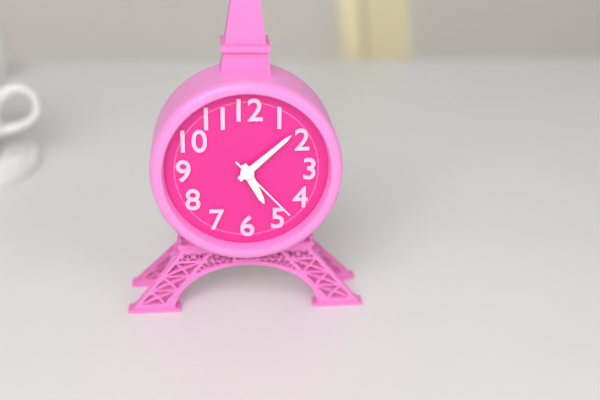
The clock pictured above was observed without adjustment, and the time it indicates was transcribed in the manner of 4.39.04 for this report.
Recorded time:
5.08.23
